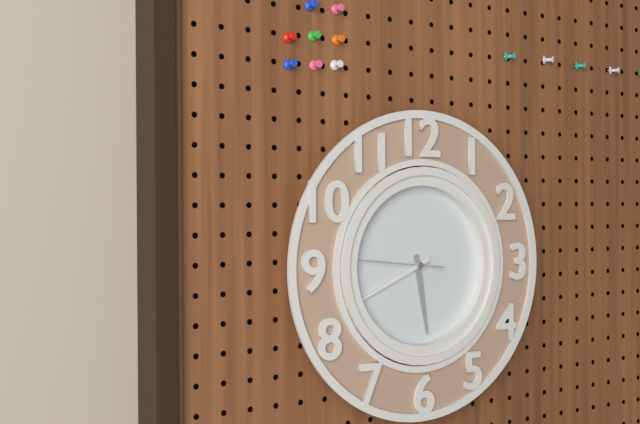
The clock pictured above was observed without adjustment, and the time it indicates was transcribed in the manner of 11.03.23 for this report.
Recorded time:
5.41.46
